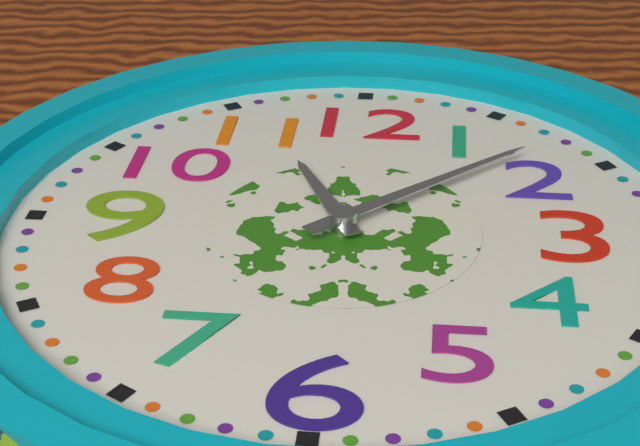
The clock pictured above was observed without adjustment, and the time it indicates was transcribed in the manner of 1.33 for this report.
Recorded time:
11.08
